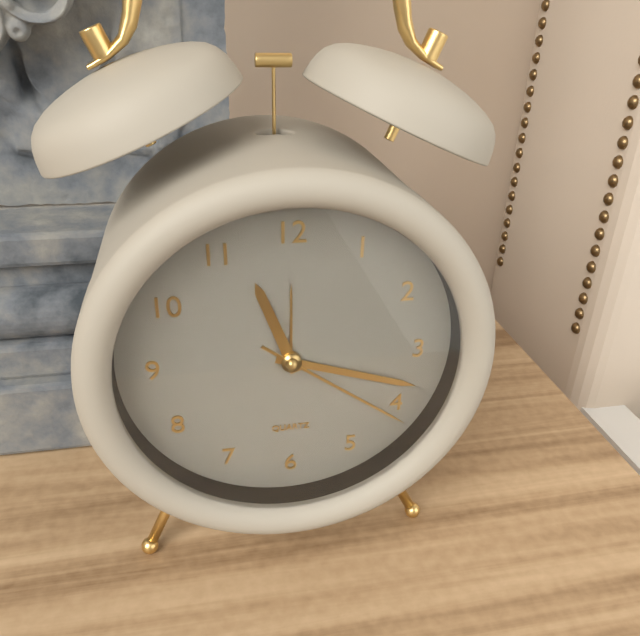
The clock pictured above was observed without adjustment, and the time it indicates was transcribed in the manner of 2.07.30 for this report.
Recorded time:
11.18.21
